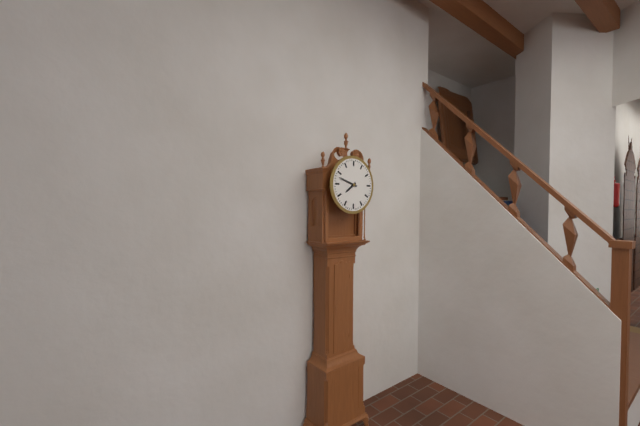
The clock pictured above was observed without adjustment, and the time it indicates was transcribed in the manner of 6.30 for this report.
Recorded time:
7.48
